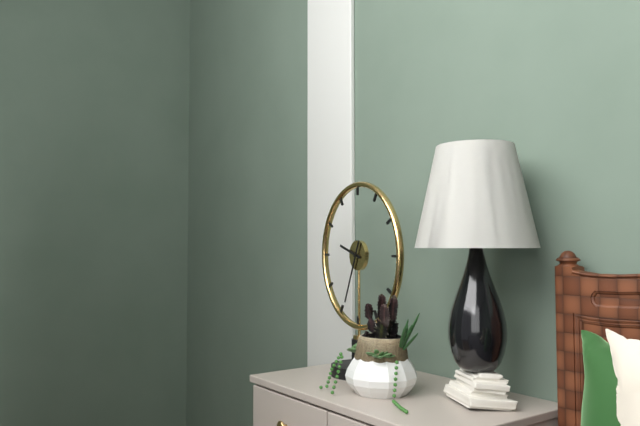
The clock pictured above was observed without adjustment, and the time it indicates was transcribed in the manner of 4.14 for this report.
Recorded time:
9.34
